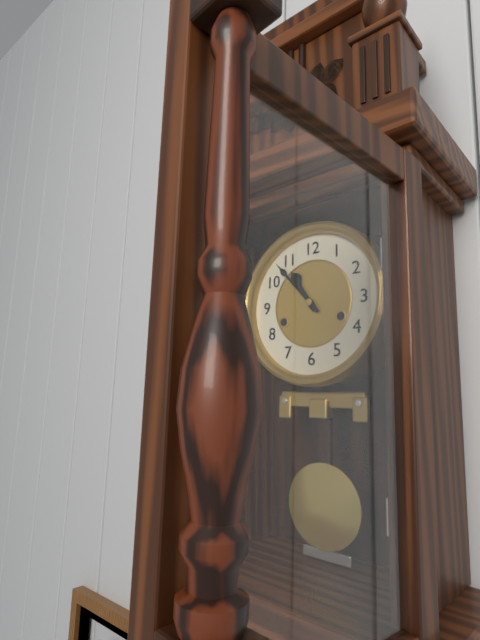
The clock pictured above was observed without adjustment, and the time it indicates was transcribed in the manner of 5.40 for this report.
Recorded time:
10.53
